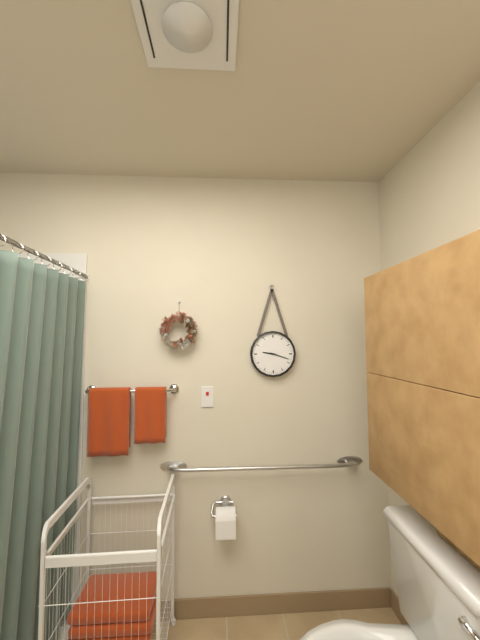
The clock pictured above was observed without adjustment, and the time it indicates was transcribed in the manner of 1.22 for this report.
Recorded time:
9.18
